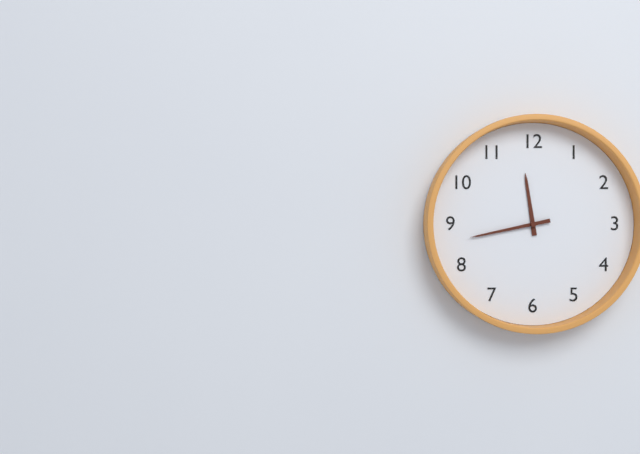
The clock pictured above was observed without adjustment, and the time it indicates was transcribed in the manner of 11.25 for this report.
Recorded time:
11.43
